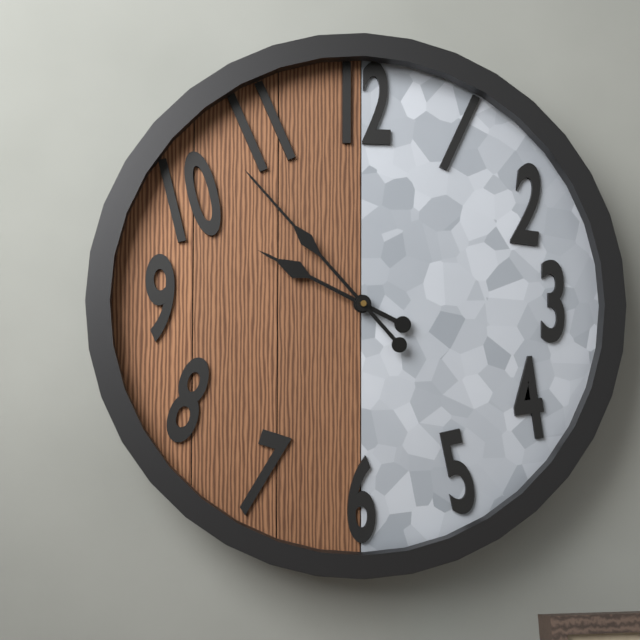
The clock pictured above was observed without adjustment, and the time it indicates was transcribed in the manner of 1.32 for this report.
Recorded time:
9.53
